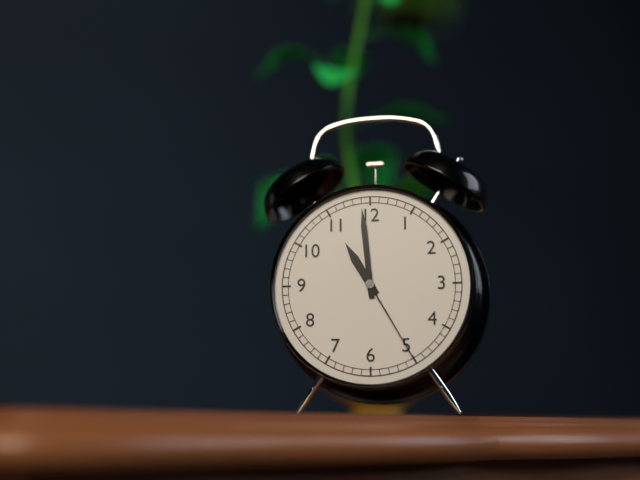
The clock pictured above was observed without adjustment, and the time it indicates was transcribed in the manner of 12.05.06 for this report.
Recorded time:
10.59.25
